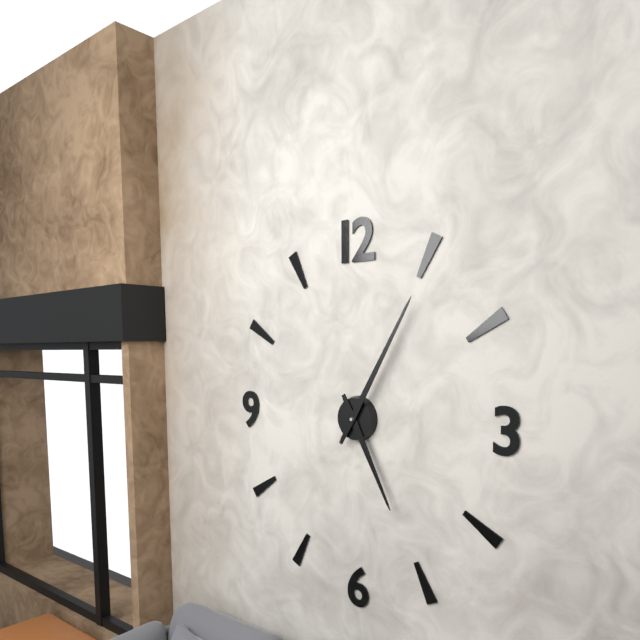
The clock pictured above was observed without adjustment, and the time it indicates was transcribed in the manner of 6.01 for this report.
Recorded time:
5.05
